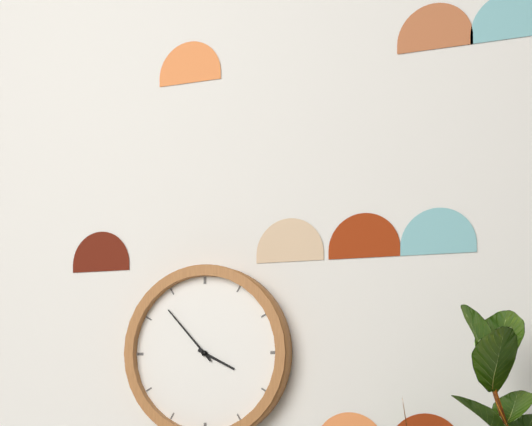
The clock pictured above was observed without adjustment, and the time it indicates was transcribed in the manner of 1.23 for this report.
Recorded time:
3.53
